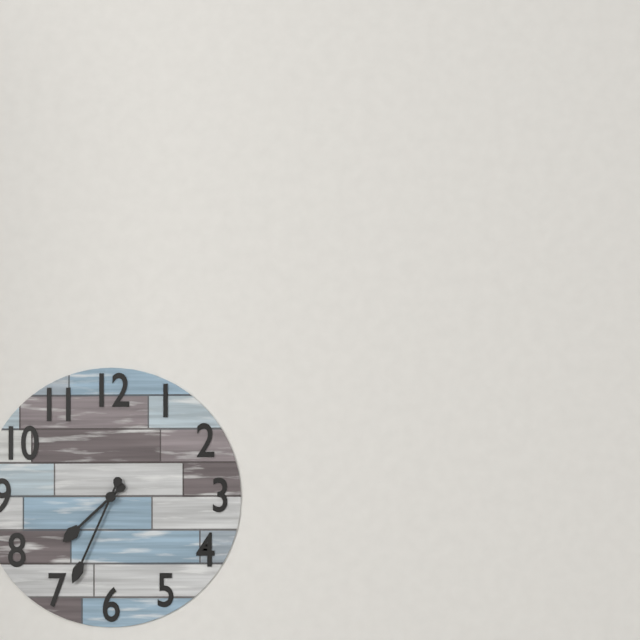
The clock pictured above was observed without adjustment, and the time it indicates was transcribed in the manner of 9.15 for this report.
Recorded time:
7.34
